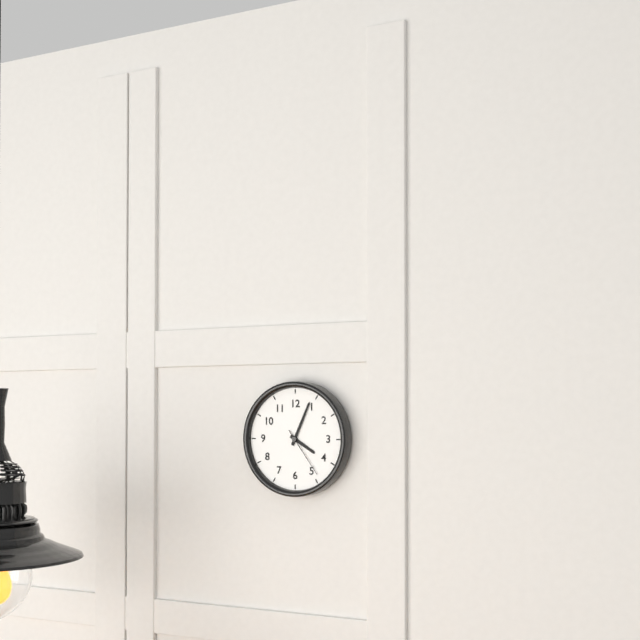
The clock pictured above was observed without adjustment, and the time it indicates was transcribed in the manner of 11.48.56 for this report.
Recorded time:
4.04.24
